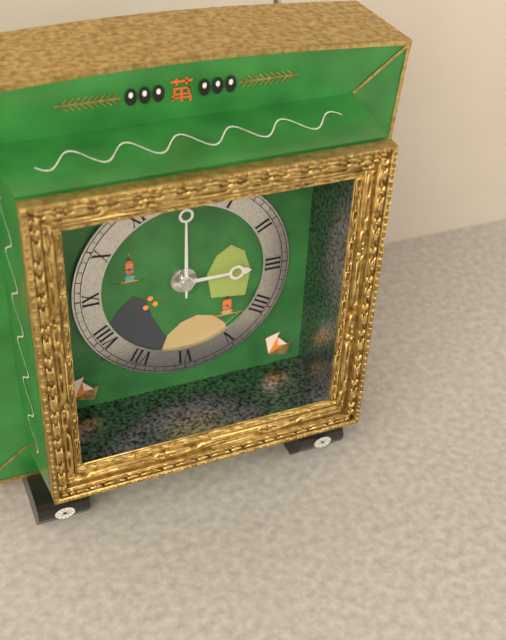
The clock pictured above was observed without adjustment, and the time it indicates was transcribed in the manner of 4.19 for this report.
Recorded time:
3.00
